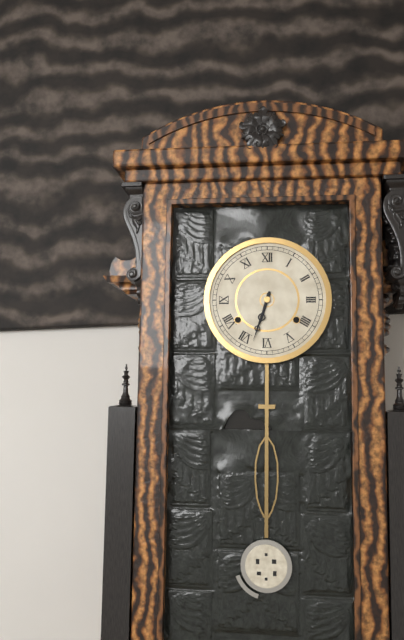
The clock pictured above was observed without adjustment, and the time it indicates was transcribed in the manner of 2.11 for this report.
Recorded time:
6.33
